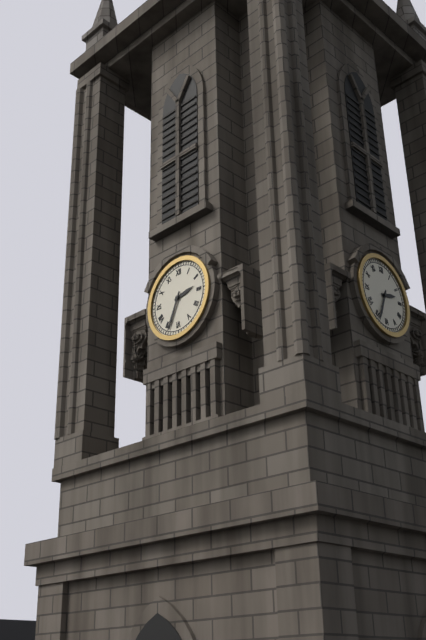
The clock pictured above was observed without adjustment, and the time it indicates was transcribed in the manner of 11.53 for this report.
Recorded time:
2.34
